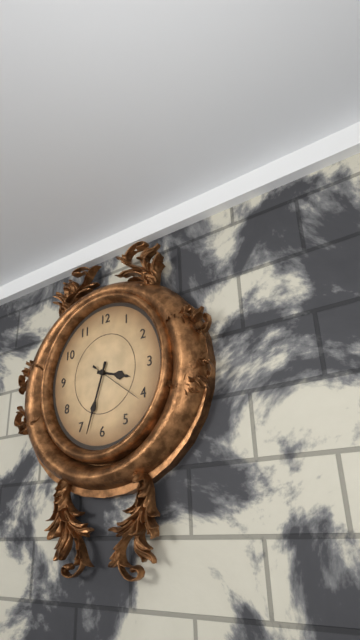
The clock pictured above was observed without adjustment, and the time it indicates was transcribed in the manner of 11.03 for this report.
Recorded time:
3.33
